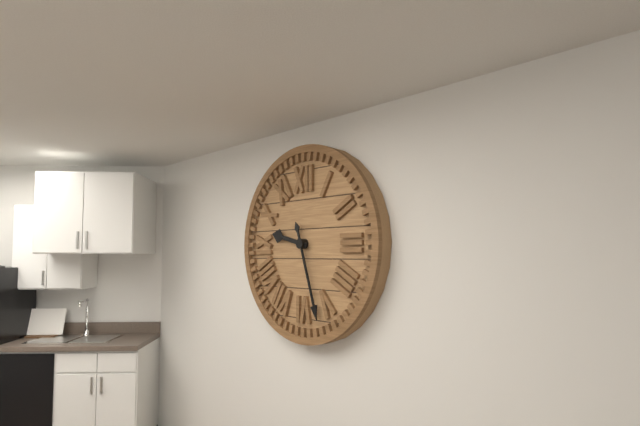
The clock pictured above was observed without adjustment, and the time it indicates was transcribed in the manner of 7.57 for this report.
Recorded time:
9.27
